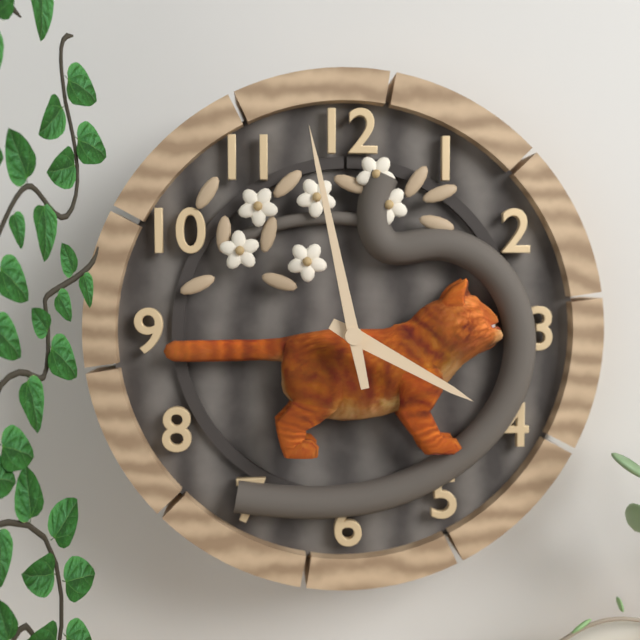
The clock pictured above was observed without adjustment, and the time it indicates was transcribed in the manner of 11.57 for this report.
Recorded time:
3.58
